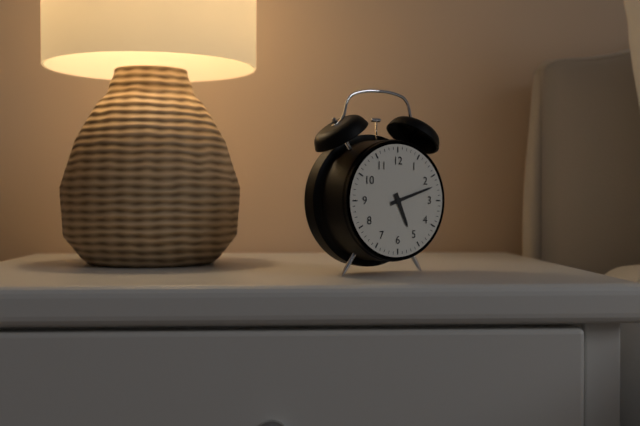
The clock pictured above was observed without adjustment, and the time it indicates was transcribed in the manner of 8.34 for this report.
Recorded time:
5.12
